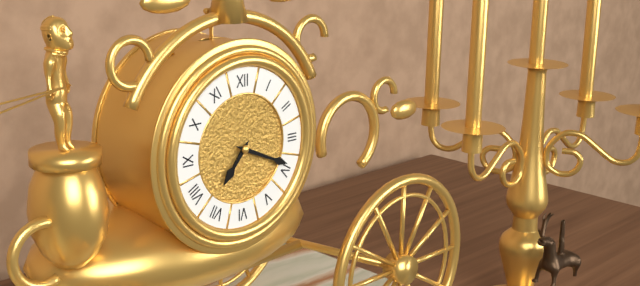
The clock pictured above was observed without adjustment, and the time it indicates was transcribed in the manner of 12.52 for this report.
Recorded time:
7.19
